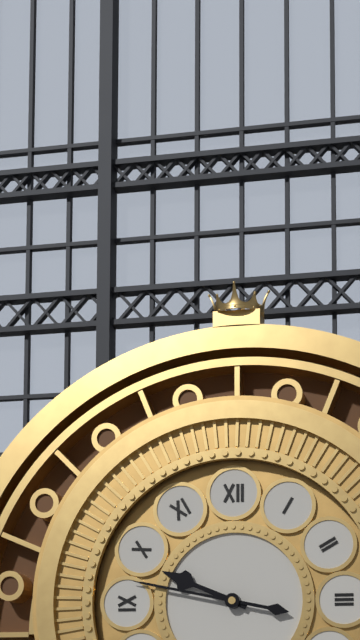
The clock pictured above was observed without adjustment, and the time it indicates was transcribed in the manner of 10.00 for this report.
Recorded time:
9.47
